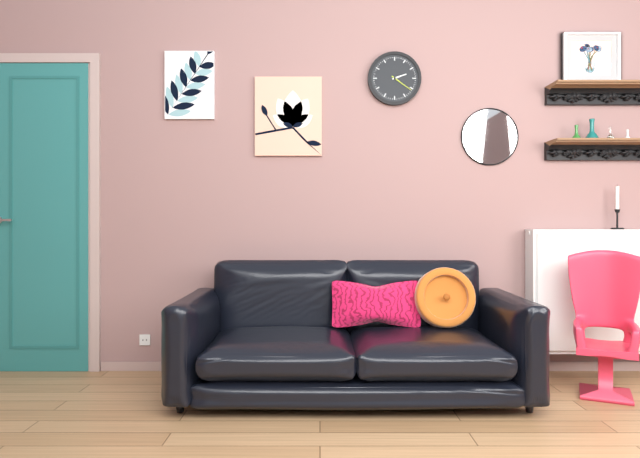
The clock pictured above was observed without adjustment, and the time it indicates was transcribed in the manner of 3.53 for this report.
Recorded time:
2.21
